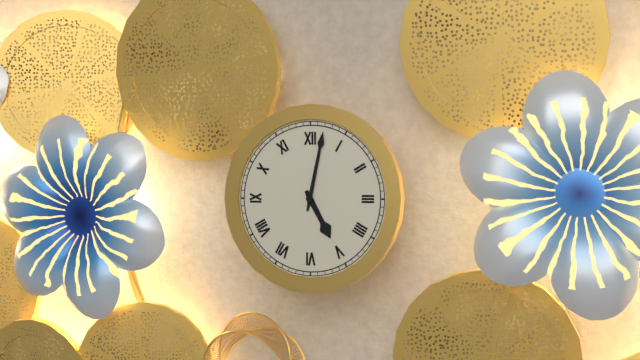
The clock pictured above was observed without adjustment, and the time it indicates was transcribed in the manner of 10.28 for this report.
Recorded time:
5.02
